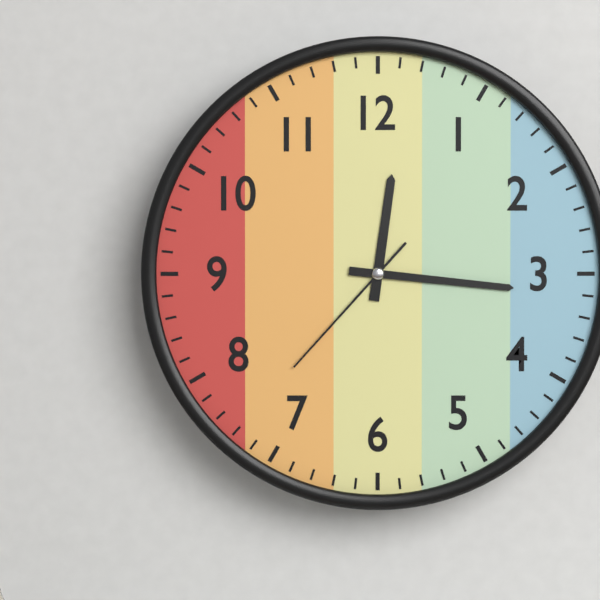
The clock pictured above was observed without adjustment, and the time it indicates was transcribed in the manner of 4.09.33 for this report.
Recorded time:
12.16.37
